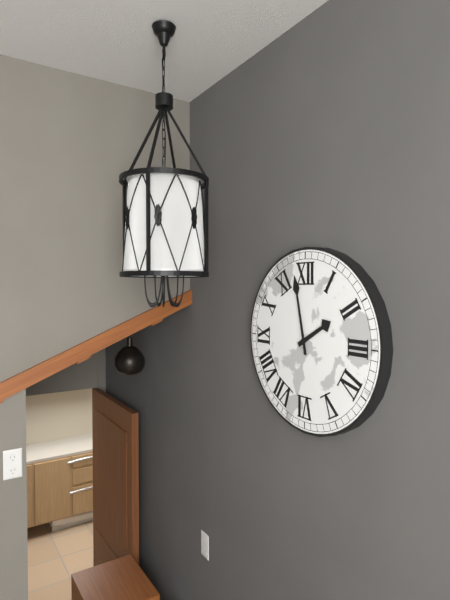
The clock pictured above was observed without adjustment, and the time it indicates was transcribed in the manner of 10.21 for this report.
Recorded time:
1.58
